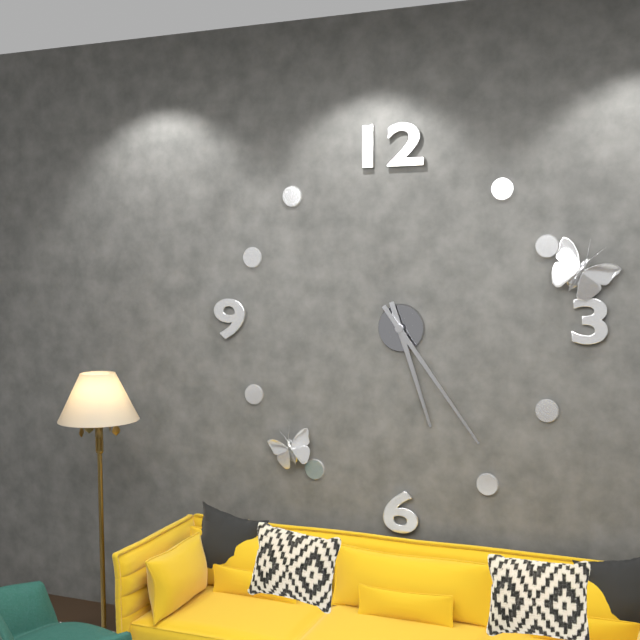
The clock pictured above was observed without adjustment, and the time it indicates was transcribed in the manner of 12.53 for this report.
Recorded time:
5.24
